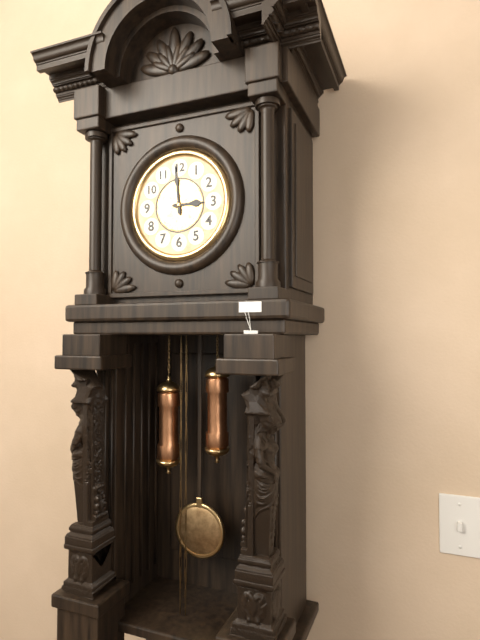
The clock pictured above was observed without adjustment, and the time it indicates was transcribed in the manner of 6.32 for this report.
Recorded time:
2.59
